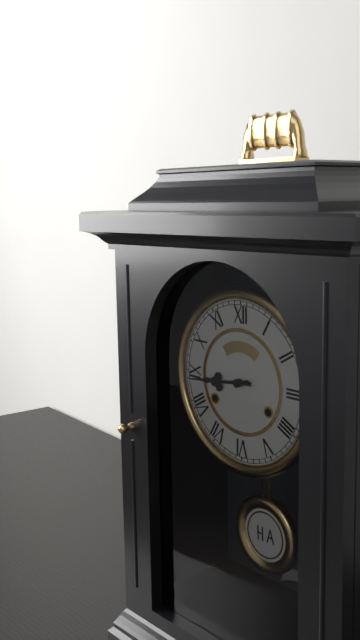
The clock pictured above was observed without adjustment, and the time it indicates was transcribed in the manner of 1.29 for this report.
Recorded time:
8.44
